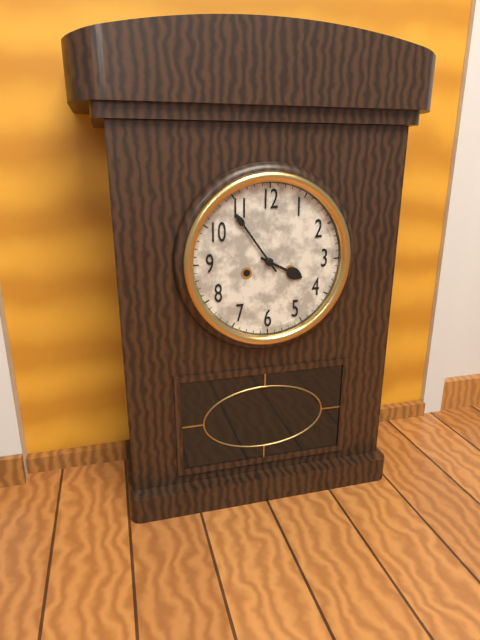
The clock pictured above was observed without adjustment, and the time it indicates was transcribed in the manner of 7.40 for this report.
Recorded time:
3.54
